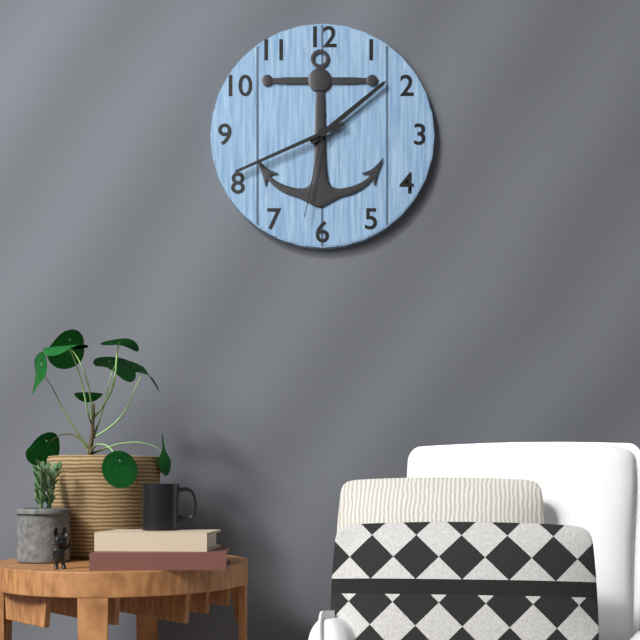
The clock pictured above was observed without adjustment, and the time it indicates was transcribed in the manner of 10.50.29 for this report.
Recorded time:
1.41.32
